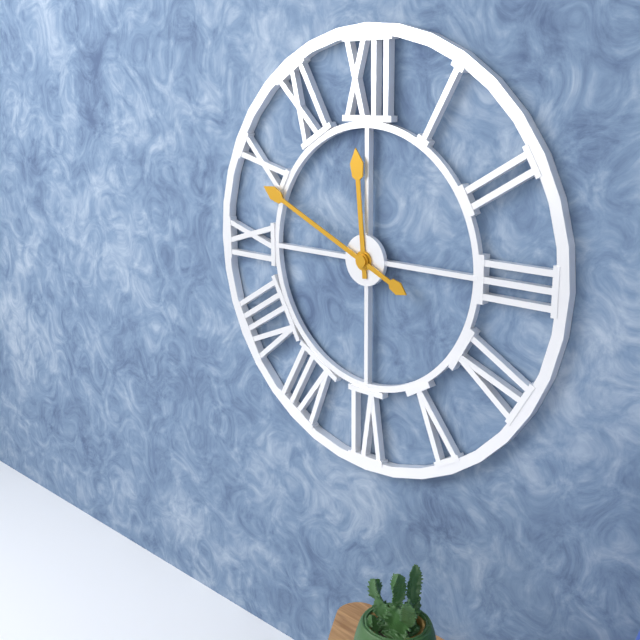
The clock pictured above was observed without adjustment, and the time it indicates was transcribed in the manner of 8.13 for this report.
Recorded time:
11.49
